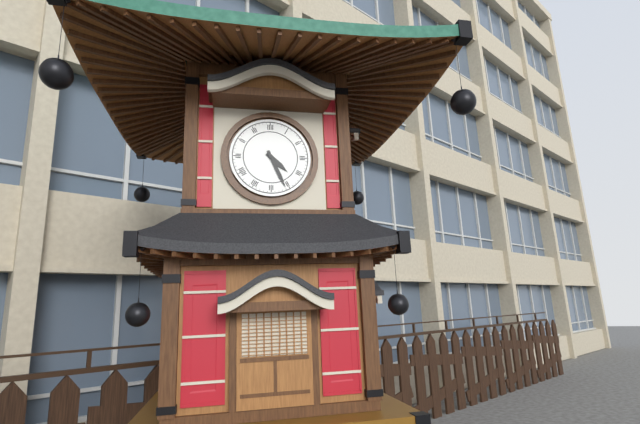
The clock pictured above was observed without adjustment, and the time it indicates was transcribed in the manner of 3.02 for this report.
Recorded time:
4.26
